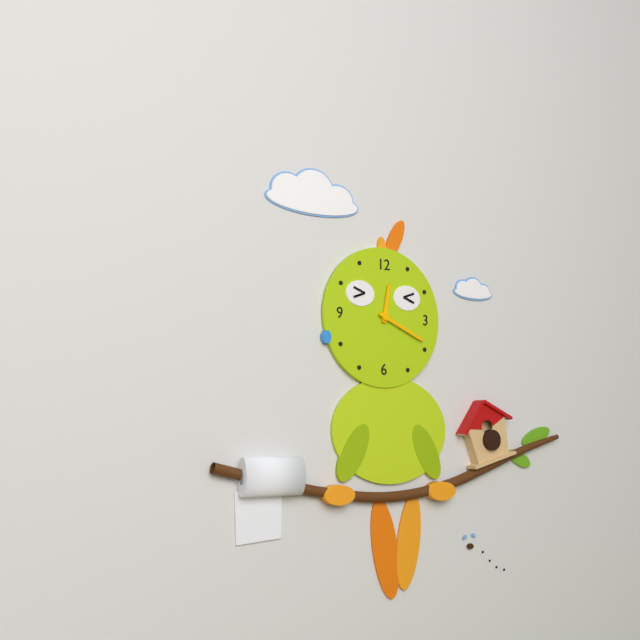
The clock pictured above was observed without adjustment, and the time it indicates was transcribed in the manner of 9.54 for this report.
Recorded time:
12.19
